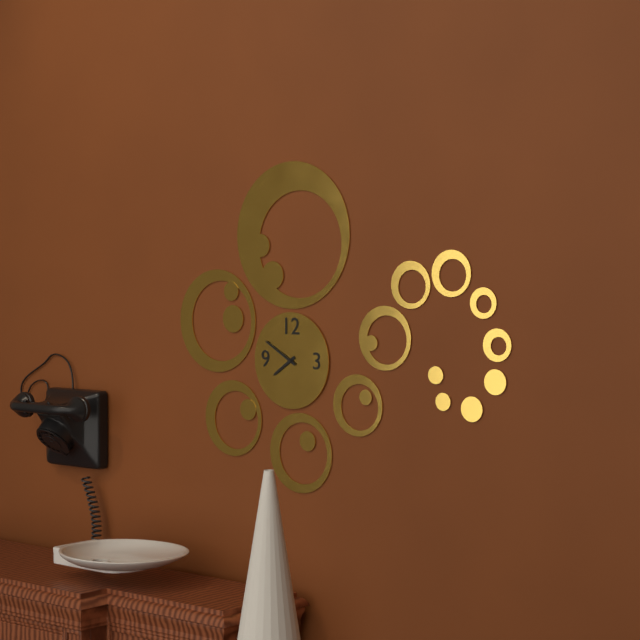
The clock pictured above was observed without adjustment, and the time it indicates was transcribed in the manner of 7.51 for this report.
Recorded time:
7.50
